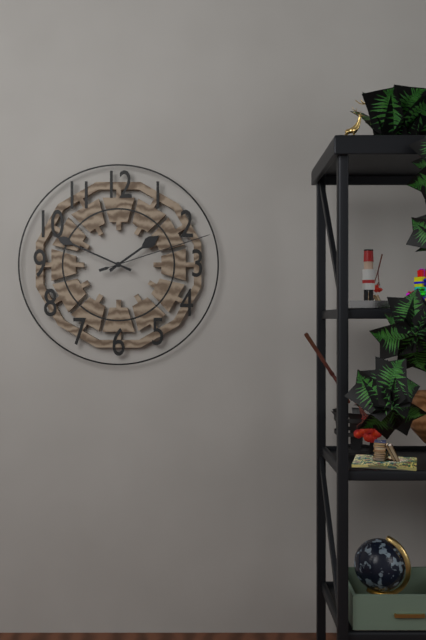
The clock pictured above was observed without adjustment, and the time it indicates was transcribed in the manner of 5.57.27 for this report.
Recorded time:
1.49.12
